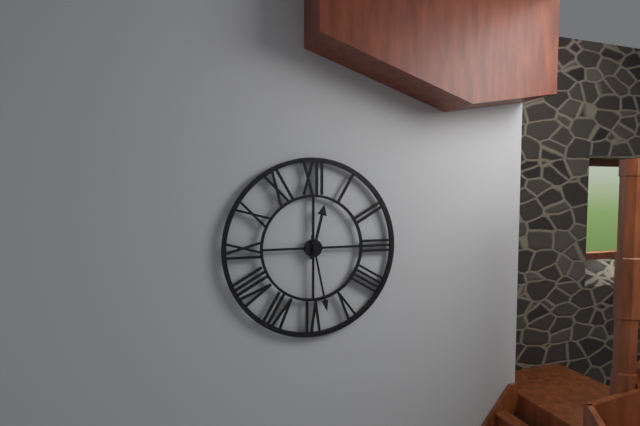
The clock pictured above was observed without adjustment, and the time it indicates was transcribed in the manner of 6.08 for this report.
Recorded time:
12.28
